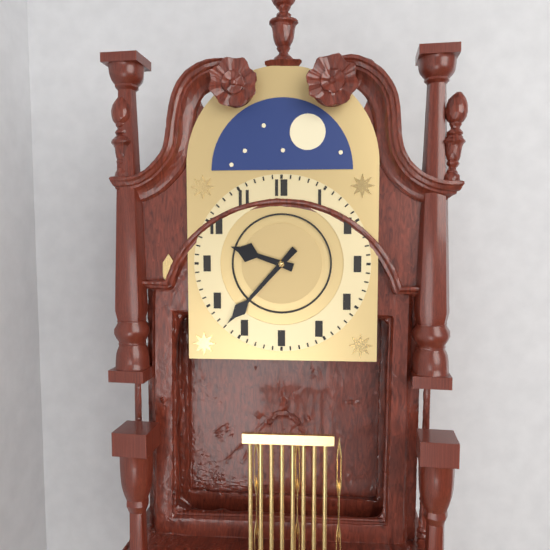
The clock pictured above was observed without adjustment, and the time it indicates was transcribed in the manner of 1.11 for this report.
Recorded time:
9.37
